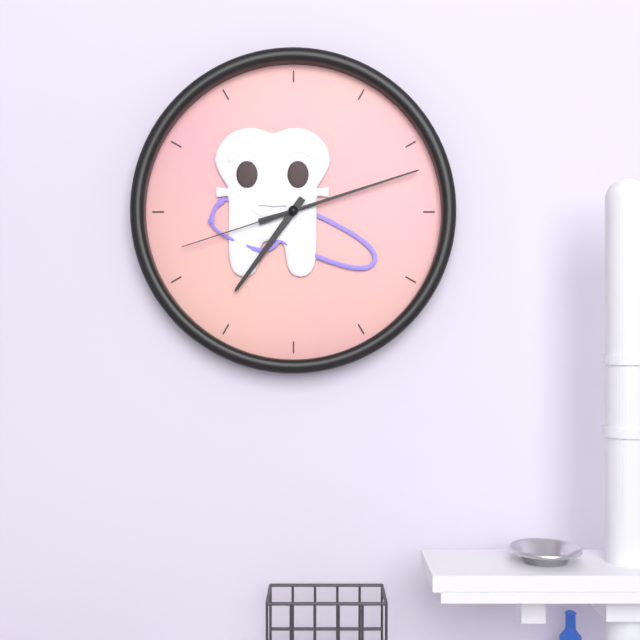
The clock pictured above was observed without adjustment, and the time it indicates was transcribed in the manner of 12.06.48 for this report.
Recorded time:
7.12.42
